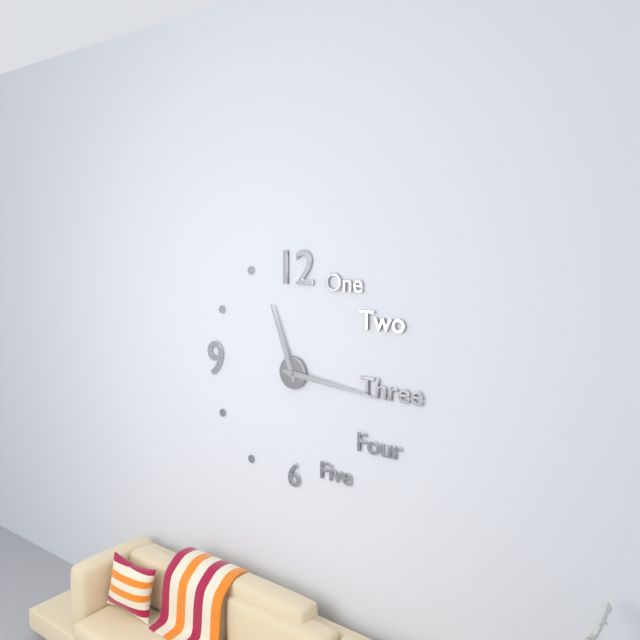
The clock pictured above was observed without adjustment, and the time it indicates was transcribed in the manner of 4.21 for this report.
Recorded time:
11.16
